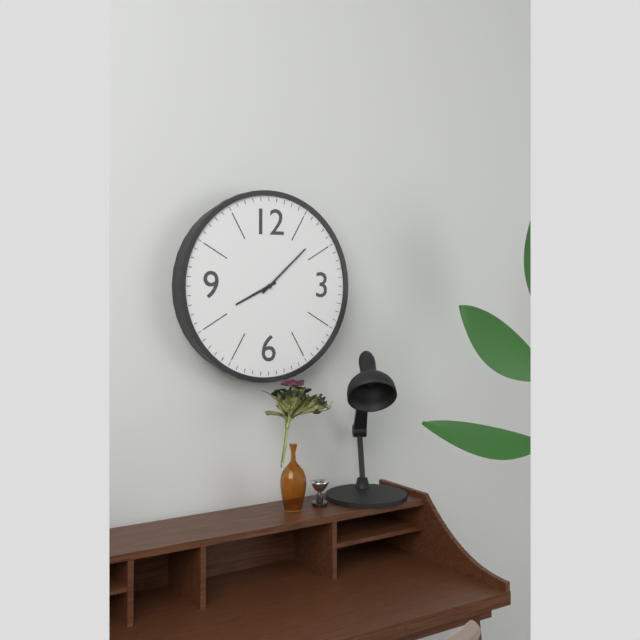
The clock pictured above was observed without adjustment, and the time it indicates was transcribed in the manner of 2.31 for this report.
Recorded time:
8.08
